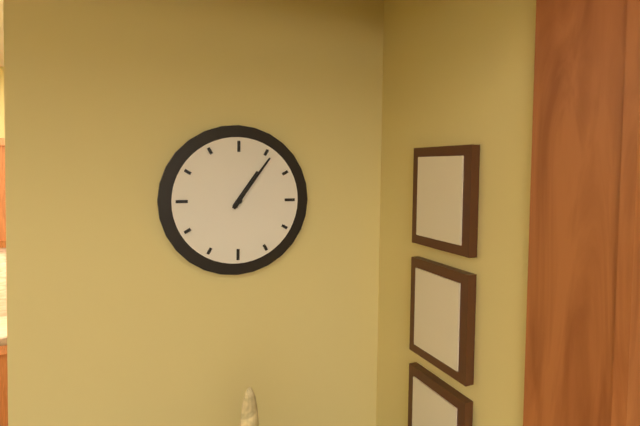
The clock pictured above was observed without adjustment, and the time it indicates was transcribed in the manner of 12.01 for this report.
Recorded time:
1.06
